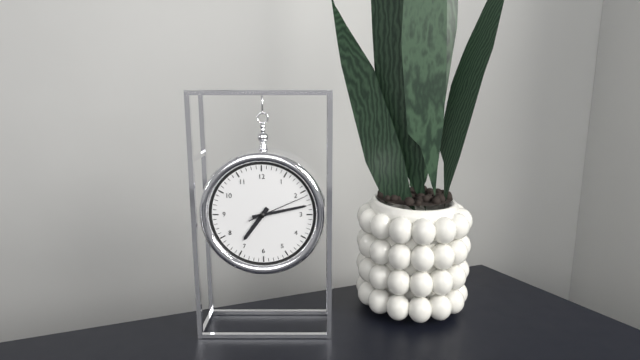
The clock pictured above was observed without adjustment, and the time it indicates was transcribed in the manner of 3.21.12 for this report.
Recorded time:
7.13.11
